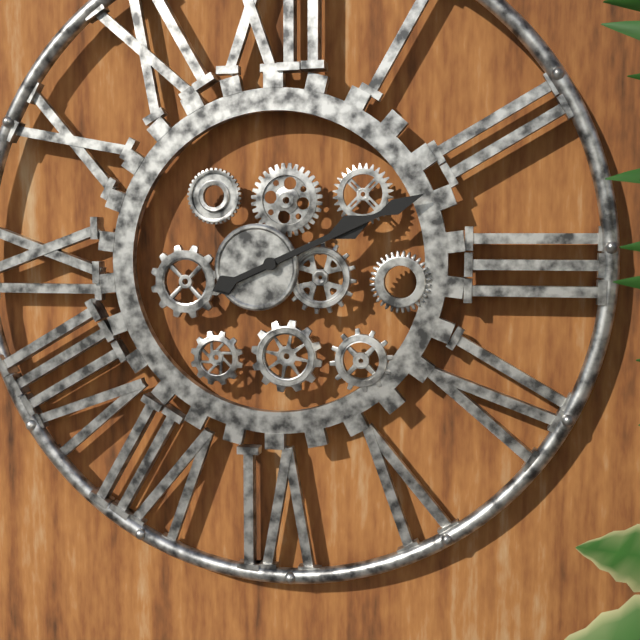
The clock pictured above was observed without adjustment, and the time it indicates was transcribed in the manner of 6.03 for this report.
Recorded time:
2.11
